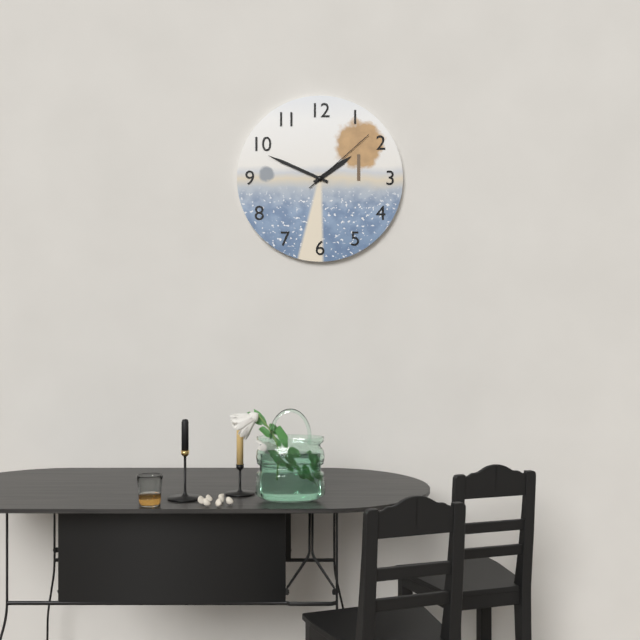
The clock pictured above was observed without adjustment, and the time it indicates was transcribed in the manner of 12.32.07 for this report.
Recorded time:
1.49.08
